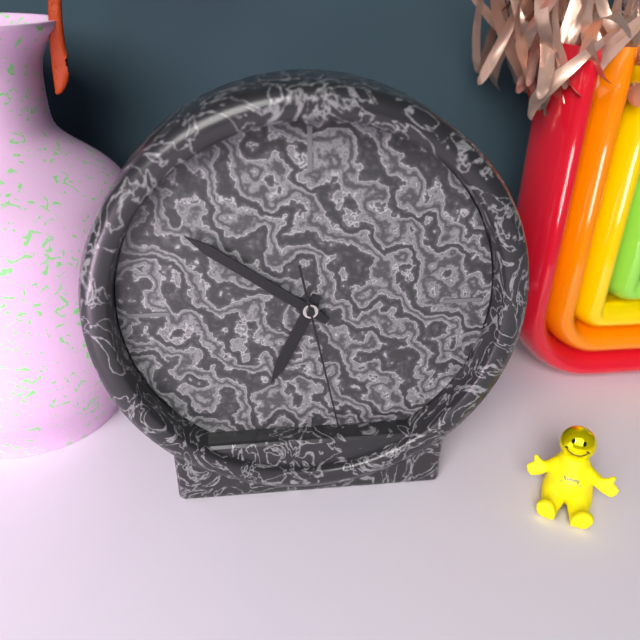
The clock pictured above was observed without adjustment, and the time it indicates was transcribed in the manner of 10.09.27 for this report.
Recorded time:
6.51.28
